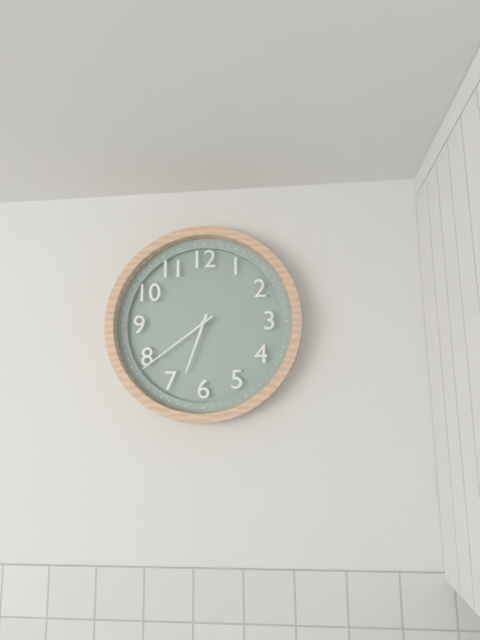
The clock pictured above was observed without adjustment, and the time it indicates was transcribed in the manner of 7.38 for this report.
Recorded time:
6.39
